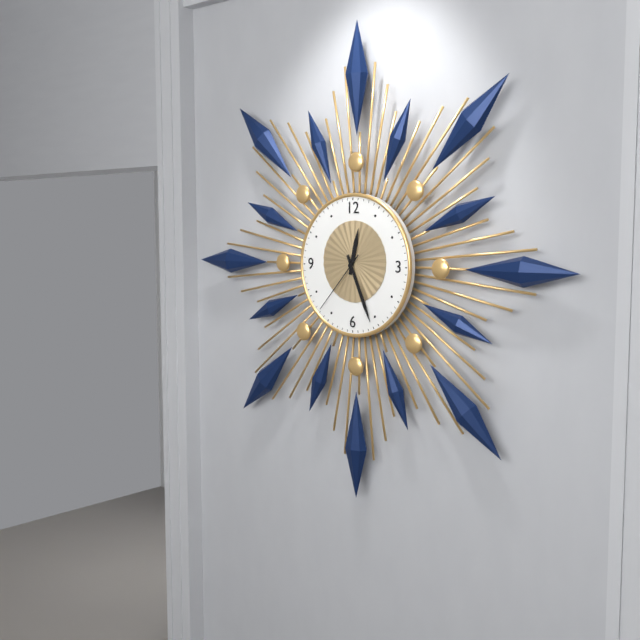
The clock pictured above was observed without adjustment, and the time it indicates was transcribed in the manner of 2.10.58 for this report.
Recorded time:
12.26.37
